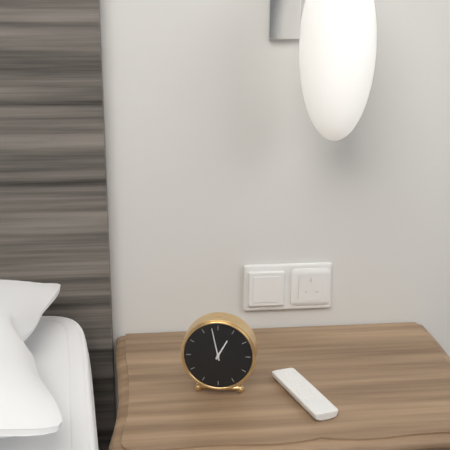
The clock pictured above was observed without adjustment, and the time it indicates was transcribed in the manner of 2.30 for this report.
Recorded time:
12.58
